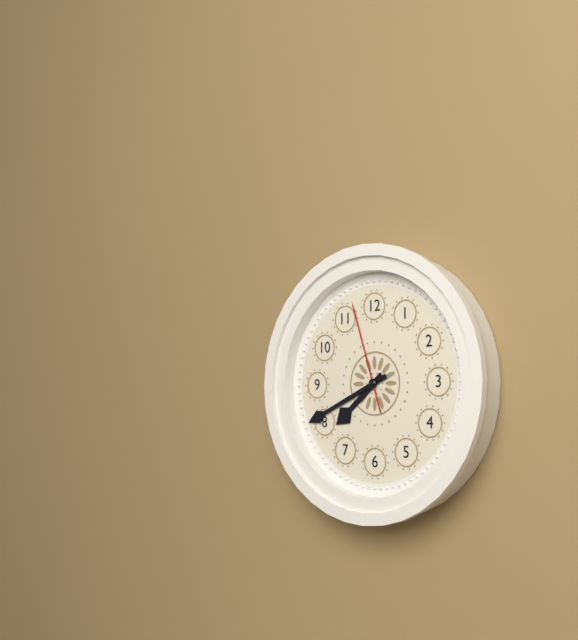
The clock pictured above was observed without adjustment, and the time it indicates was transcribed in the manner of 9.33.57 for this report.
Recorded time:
7.41.57
